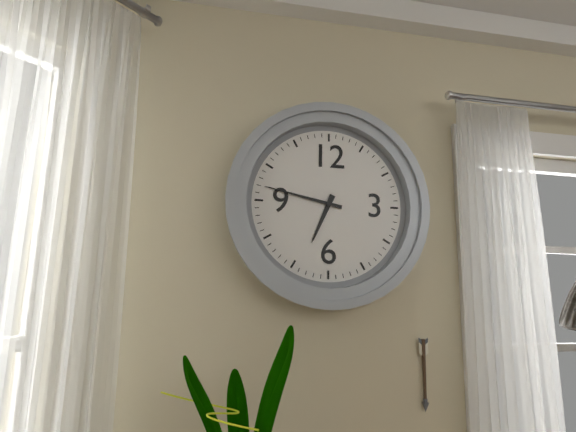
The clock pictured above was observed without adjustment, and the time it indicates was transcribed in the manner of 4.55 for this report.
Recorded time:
6.47
